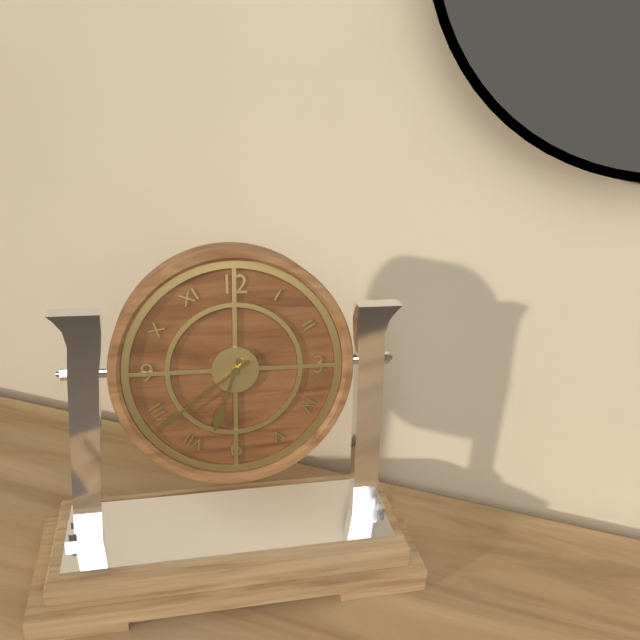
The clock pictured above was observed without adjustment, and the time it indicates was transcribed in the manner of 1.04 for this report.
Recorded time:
6.39
